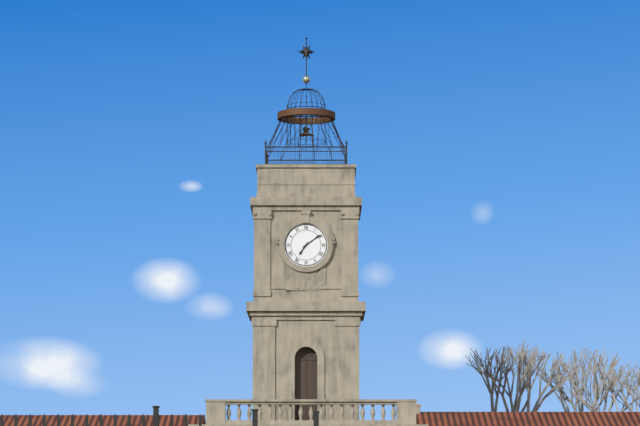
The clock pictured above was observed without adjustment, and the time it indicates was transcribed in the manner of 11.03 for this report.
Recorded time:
7.09
